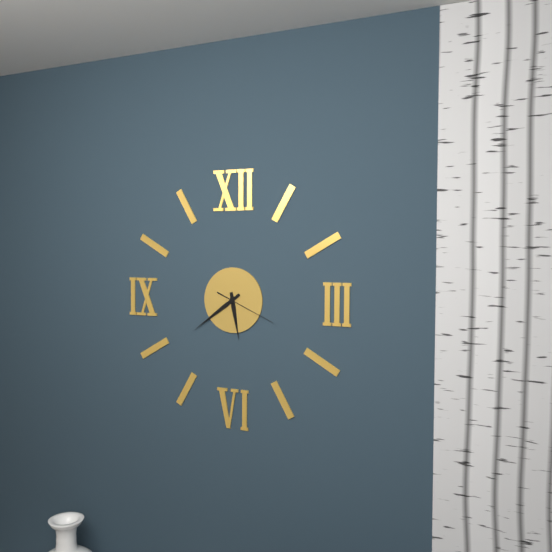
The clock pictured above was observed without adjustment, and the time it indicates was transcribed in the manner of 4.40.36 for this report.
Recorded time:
5.39.19
